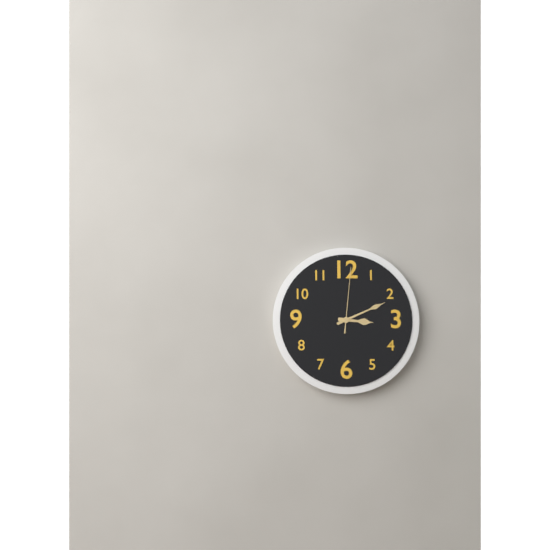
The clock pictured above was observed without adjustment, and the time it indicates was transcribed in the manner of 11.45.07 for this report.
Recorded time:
3.11.01
